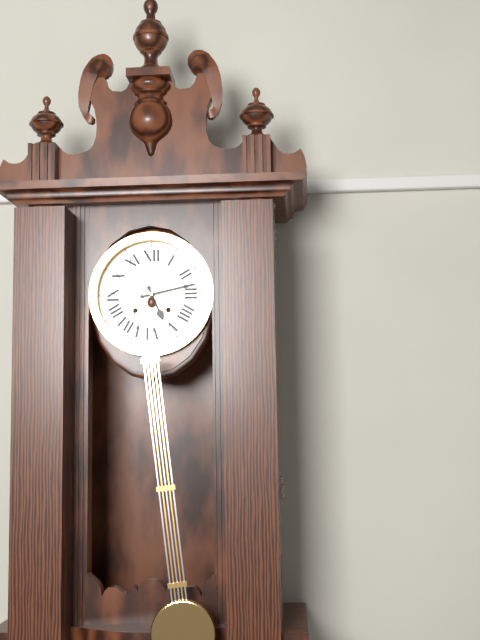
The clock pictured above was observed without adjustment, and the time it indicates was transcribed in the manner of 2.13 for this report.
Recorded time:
5.13
